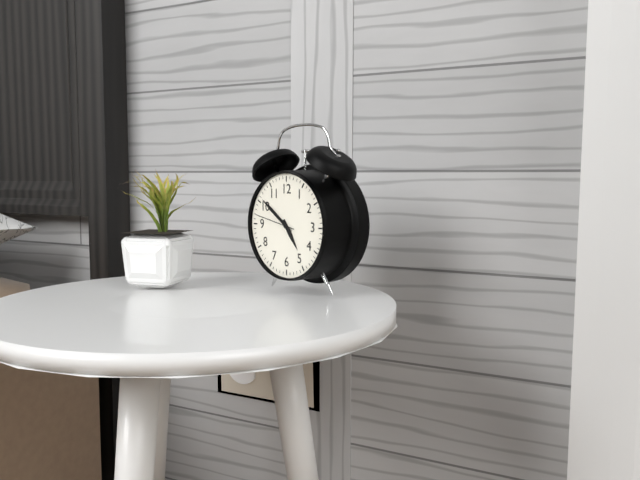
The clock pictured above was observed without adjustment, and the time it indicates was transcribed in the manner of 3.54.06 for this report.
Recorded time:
4.51.47
